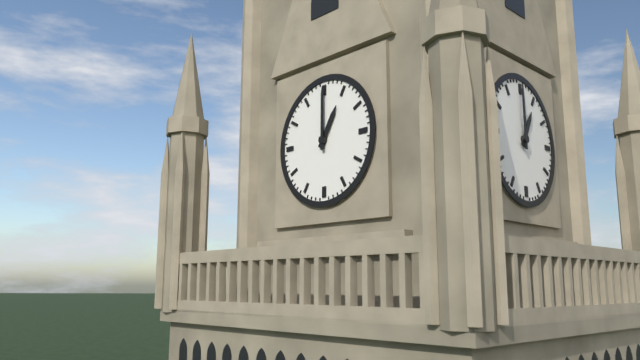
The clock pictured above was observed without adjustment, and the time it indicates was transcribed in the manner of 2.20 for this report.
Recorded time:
1.00
